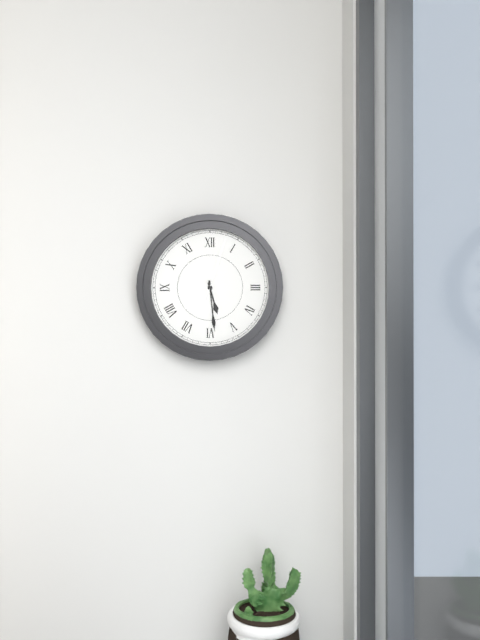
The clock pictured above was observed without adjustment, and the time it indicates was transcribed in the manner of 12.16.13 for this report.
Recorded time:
5.29.03
